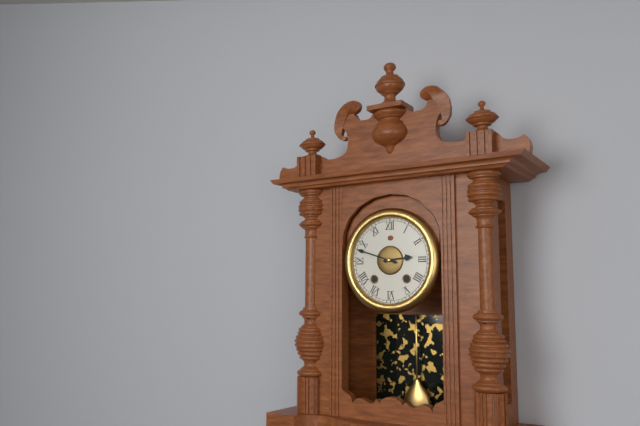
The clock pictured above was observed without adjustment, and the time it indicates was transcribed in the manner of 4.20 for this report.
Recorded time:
2.48
